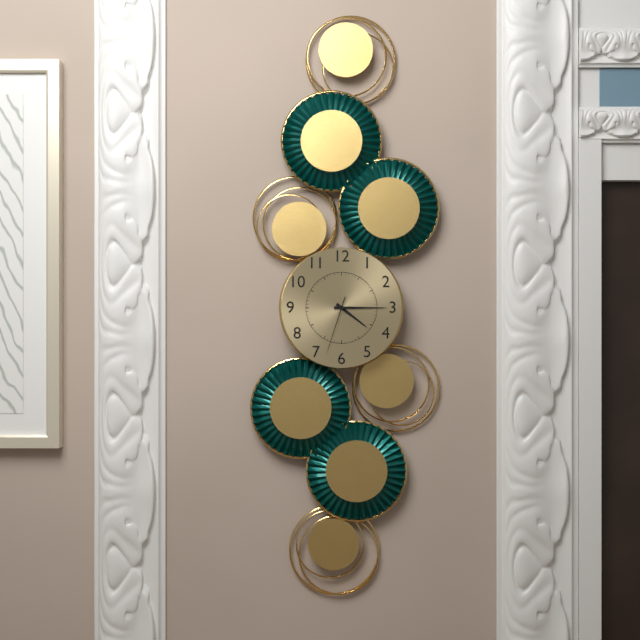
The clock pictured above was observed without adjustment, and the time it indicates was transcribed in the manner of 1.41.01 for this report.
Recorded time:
4.15.33
